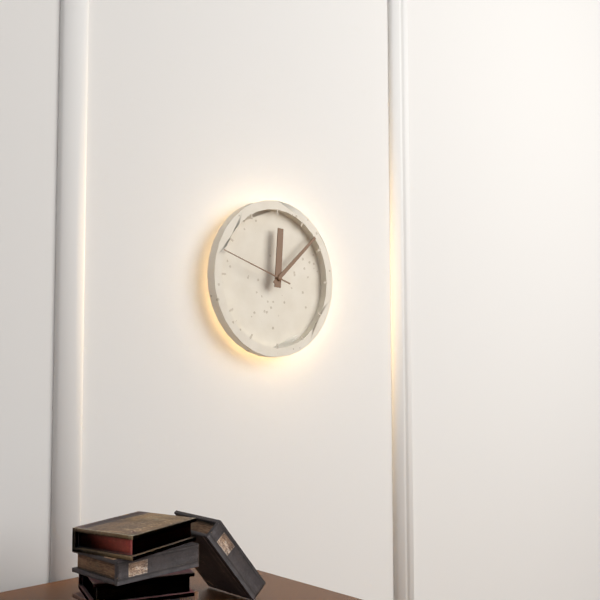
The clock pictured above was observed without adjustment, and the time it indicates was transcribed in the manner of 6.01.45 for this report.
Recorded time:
12.08.48
